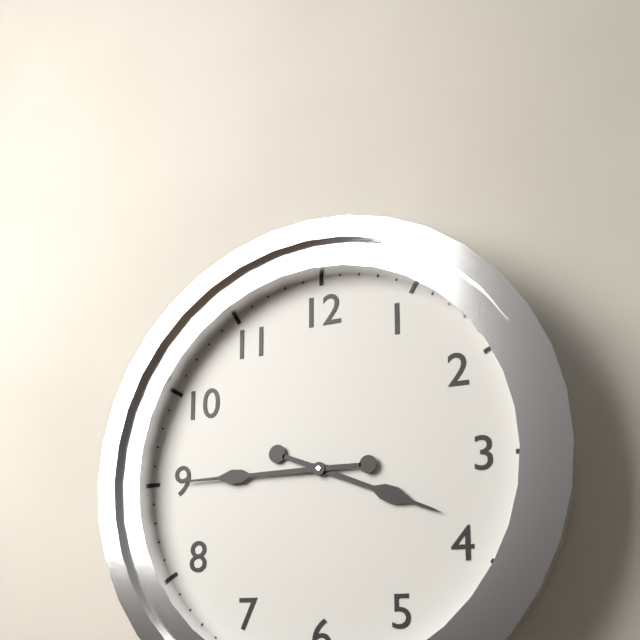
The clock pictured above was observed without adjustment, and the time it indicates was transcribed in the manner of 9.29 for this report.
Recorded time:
3.45
